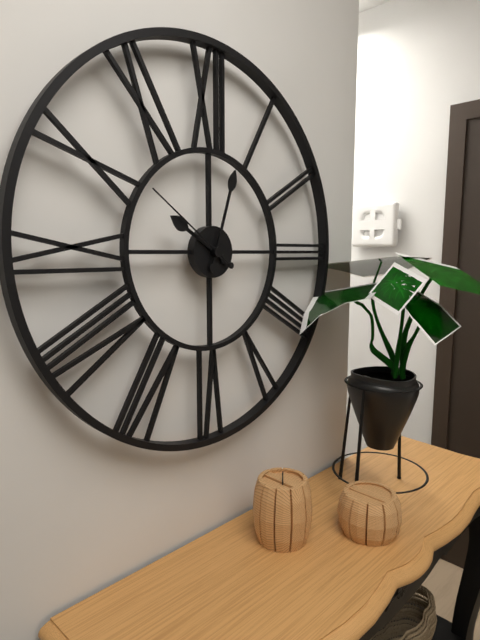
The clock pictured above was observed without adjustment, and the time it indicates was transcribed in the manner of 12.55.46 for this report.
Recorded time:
10.03.51
